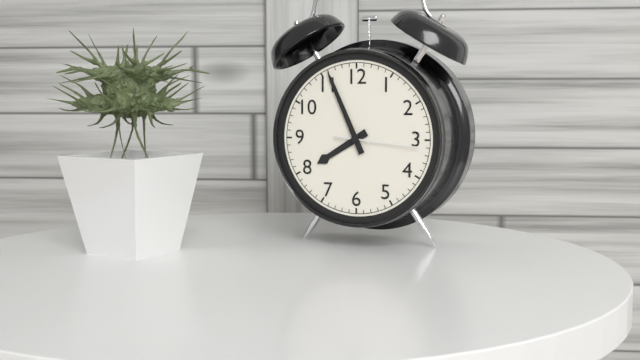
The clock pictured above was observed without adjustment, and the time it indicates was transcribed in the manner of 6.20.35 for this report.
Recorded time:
7.56.16
